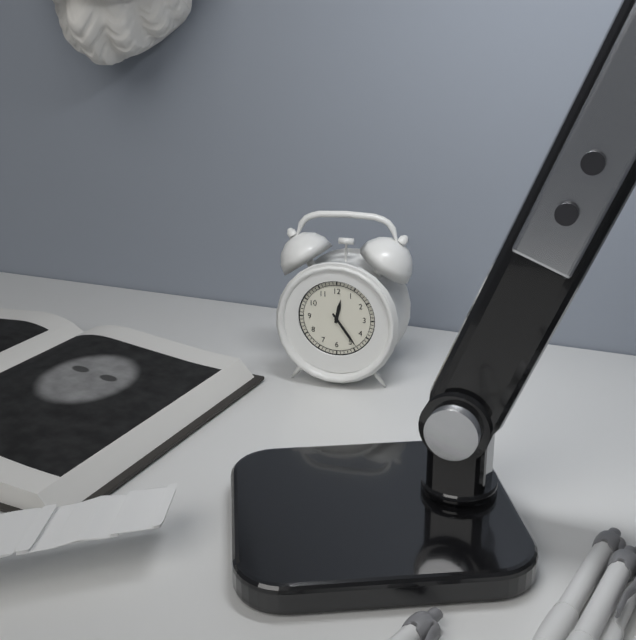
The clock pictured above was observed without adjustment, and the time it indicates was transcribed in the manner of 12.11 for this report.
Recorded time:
12.24
